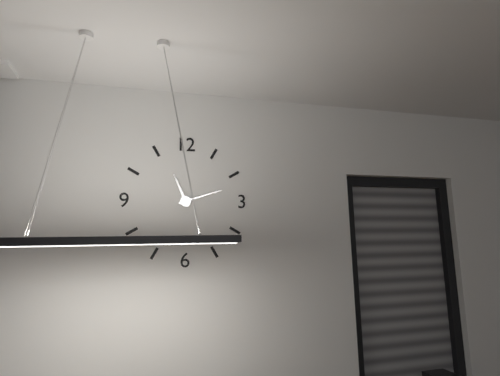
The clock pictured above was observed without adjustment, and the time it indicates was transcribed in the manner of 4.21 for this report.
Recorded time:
11.12
